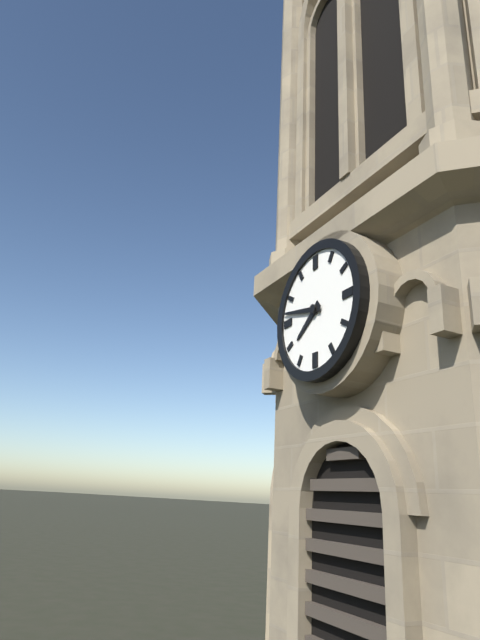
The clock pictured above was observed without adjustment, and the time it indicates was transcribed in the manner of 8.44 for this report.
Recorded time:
7.47
